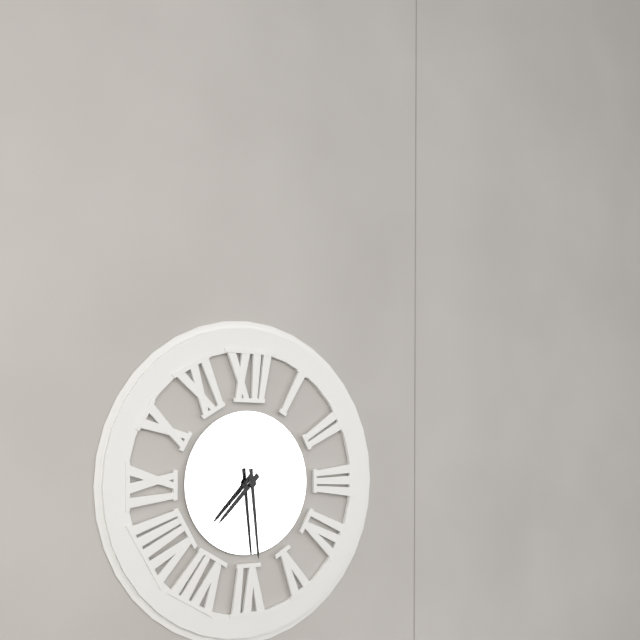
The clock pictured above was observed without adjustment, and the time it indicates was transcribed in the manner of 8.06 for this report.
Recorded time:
7.29
